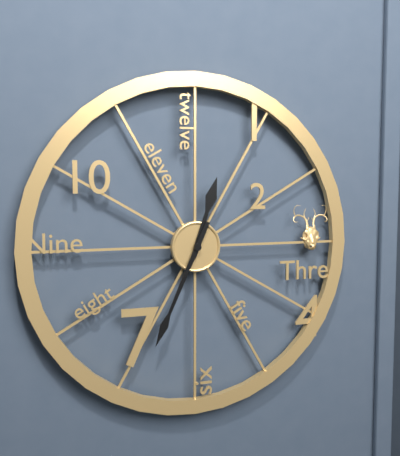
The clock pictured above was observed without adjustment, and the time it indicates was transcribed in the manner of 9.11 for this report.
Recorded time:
12.34
